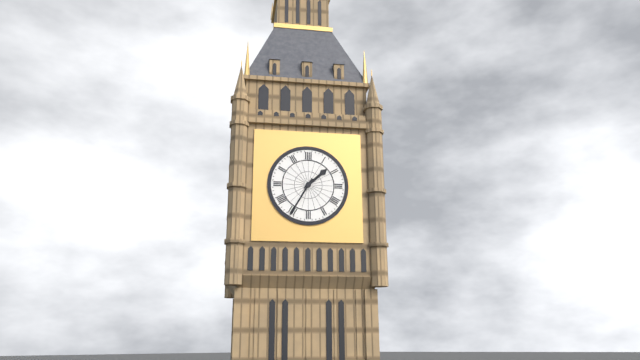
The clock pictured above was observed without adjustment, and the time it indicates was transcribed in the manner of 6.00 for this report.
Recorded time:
1.35
